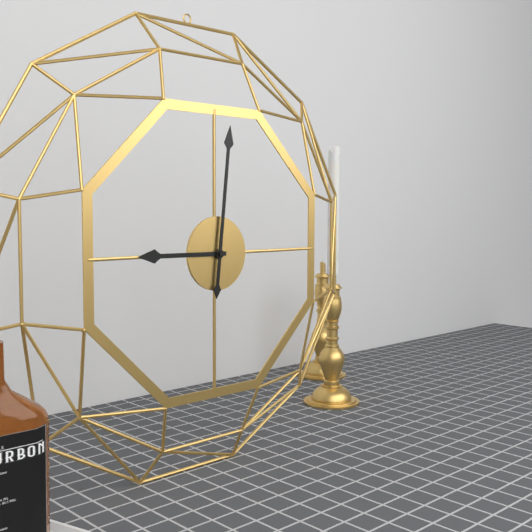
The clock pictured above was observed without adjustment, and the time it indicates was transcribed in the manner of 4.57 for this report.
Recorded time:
9.01
